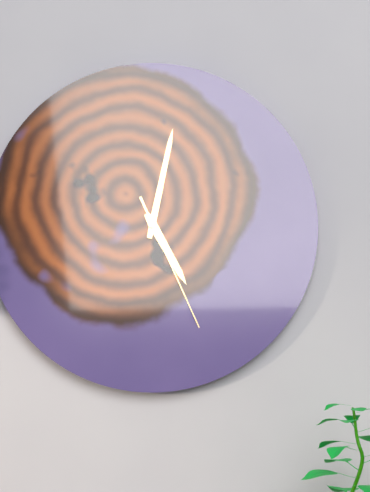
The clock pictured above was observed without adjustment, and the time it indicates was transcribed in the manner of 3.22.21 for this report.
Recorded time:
5.02.26
